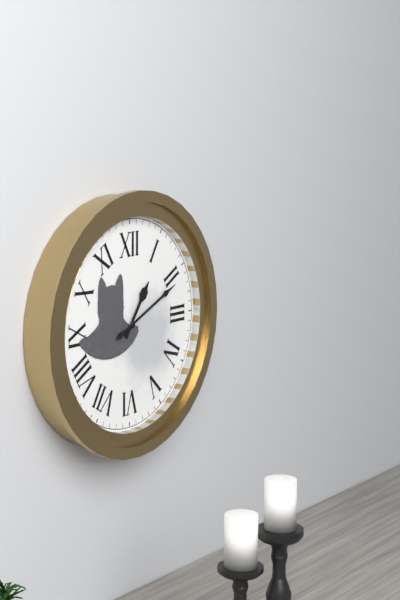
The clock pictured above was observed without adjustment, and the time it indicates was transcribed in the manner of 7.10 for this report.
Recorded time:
1.11
